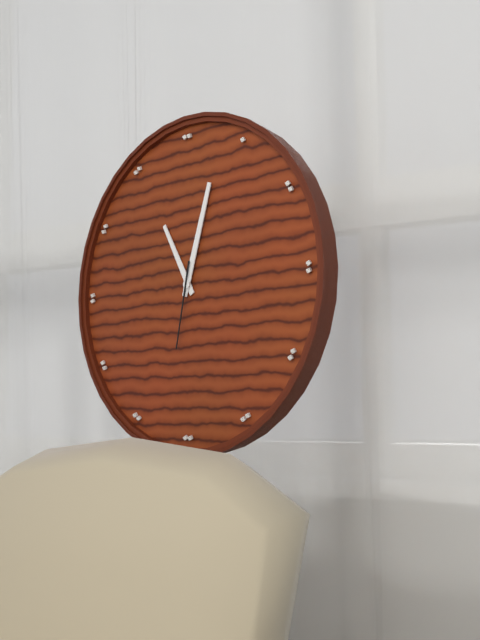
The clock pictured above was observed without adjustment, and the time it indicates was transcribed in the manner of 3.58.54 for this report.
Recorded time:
11.03.32
